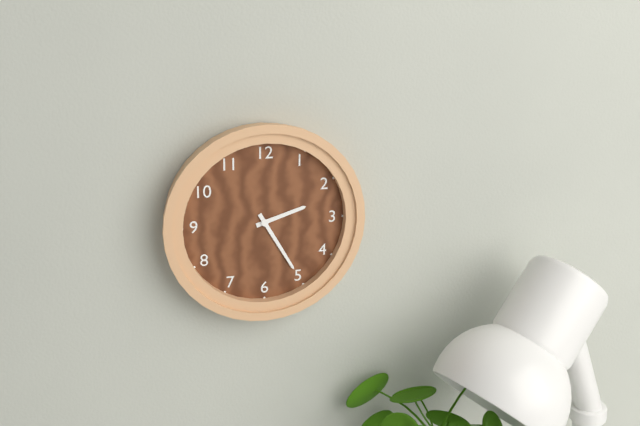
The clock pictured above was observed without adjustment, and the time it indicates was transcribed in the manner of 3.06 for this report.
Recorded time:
2.25
